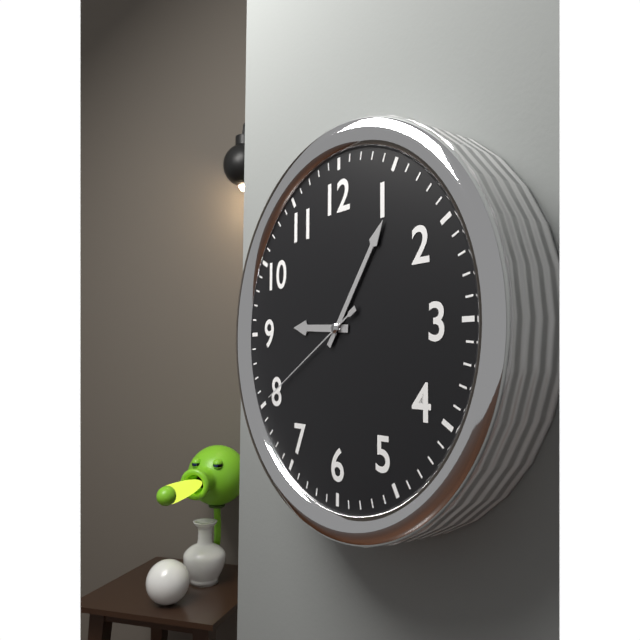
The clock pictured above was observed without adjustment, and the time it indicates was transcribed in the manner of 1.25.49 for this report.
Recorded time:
9.06.40
